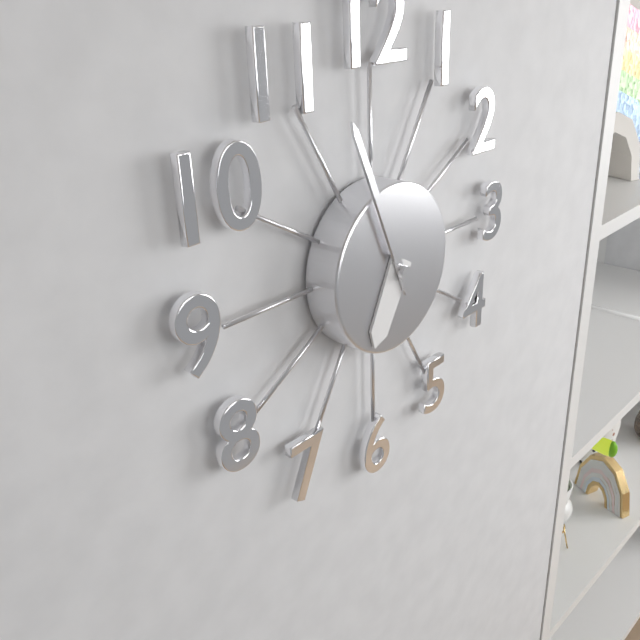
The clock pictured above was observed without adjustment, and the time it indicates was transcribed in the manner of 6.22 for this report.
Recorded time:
6.56
